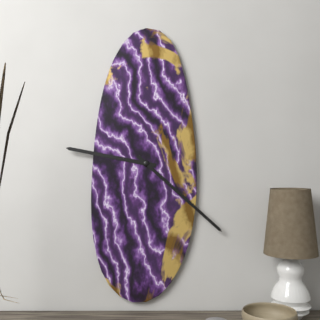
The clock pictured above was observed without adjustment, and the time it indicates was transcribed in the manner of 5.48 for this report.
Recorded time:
9.22
